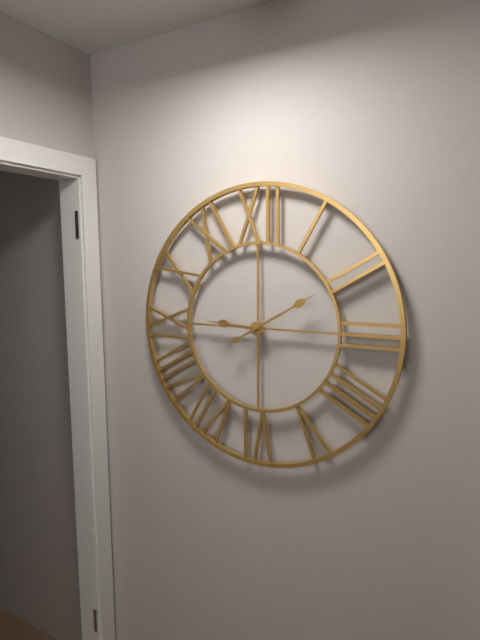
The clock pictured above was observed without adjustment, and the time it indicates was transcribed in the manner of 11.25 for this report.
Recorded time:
9.10
